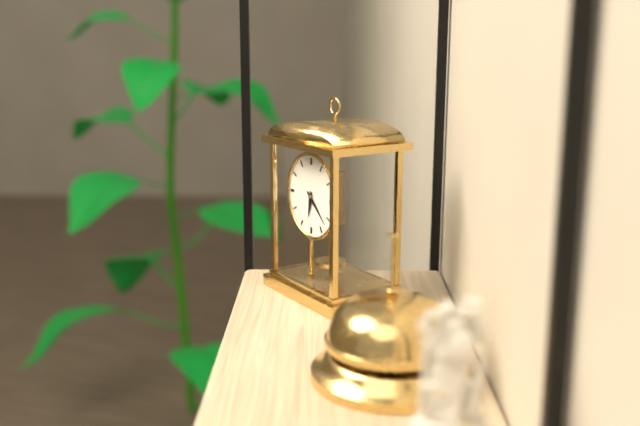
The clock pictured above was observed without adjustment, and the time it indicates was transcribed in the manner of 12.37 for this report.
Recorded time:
6.22
